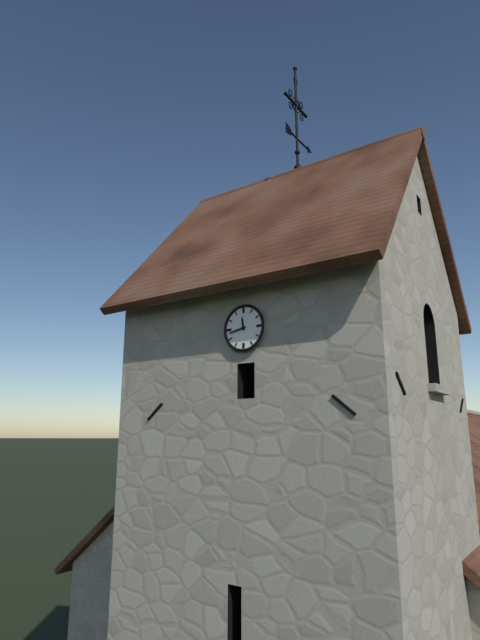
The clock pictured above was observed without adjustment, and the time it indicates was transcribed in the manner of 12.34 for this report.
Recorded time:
11.43
